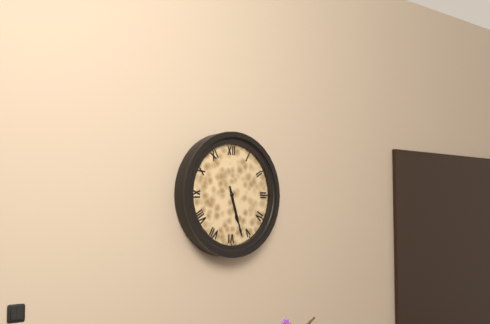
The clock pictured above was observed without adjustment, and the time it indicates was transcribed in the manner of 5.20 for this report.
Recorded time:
5.27
